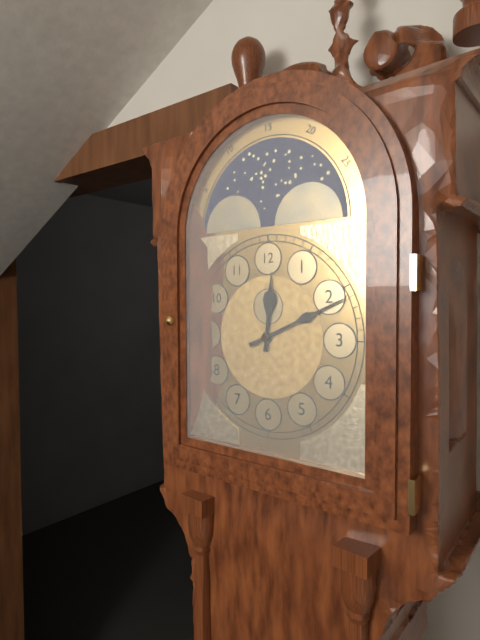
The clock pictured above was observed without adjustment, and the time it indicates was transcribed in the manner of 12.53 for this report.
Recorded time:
12.11
